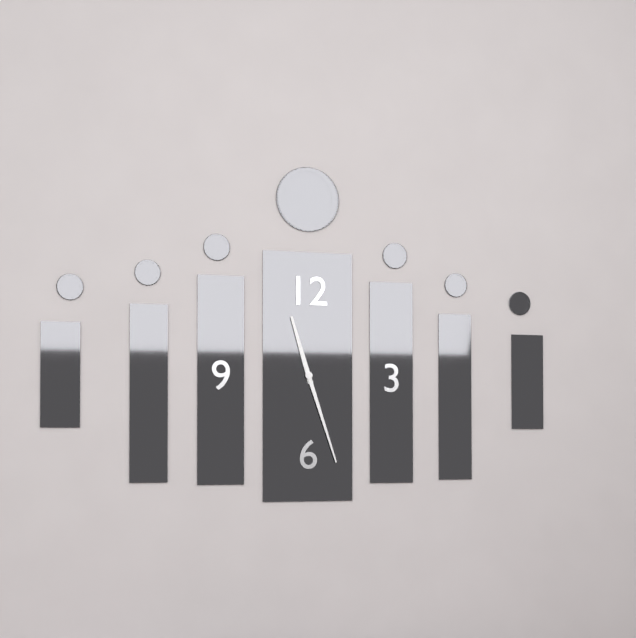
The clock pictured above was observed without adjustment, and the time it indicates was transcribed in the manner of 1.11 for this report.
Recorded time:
11.27
